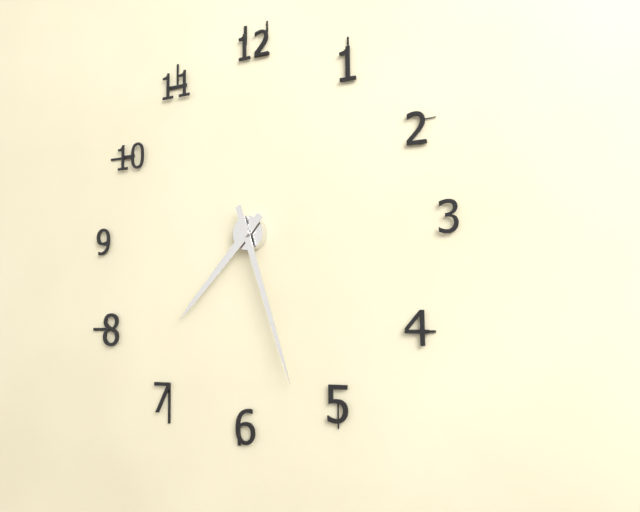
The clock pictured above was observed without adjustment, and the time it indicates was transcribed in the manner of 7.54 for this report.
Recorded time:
7.27
